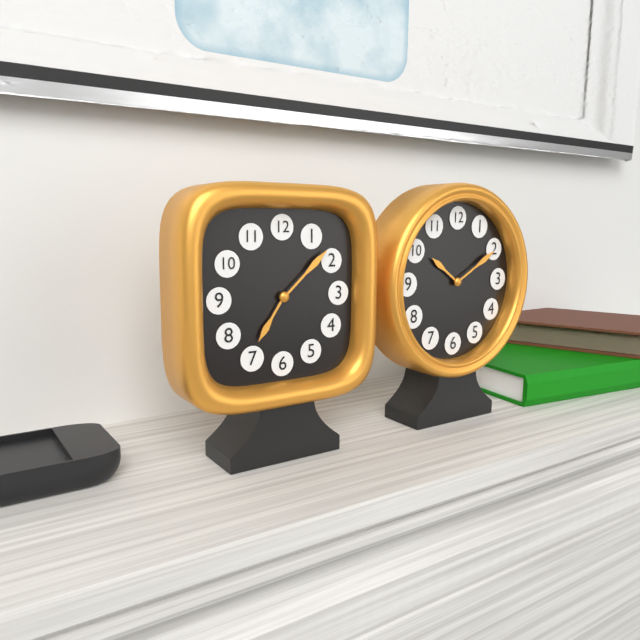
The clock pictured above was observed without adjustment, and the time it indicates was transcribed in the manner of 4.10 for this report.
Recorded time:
7.08
